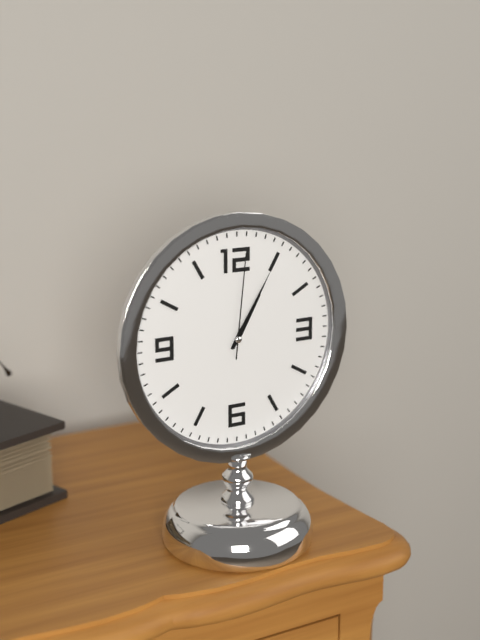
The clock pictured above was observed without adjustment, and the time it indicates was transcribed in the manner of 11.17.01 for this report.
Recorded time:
1.05.01
